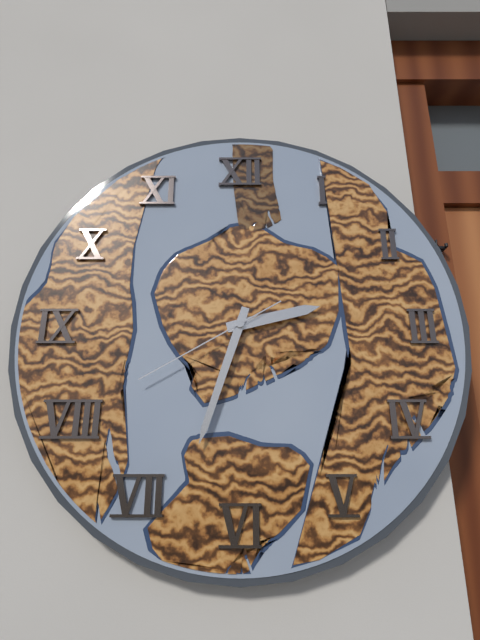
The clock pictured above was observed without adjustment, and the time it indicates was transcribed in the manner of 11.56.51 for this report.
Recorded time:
2.33.40
